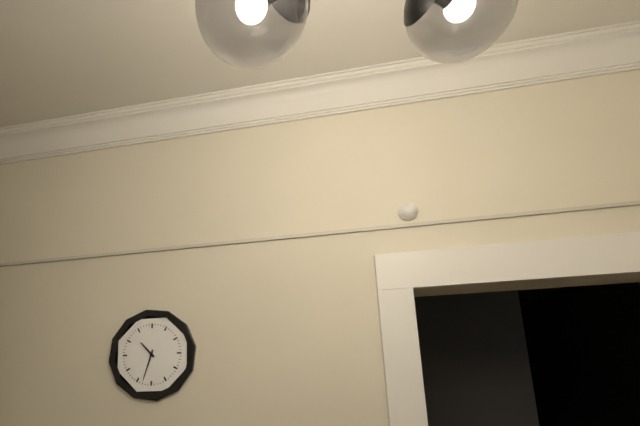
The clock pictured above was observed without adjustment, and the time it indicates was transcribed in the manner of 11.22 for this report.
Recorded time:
10.33
